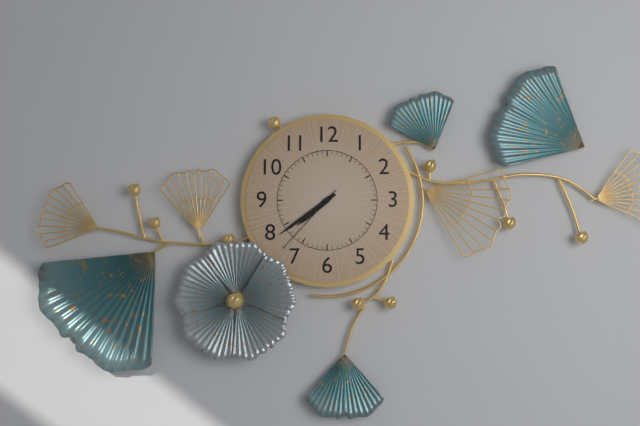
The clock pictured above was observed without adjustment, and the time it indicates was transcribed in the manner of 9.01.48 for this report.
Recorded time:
7.39.37
